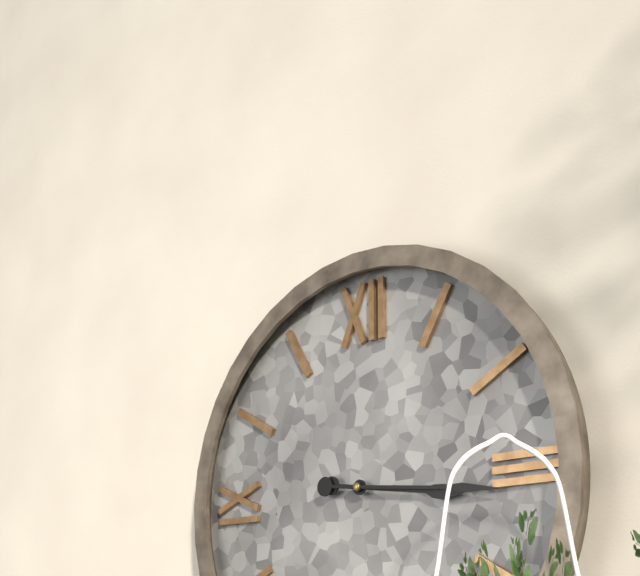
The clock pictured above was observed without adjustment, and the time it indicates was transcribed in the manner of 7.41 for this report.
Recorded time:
3.16
